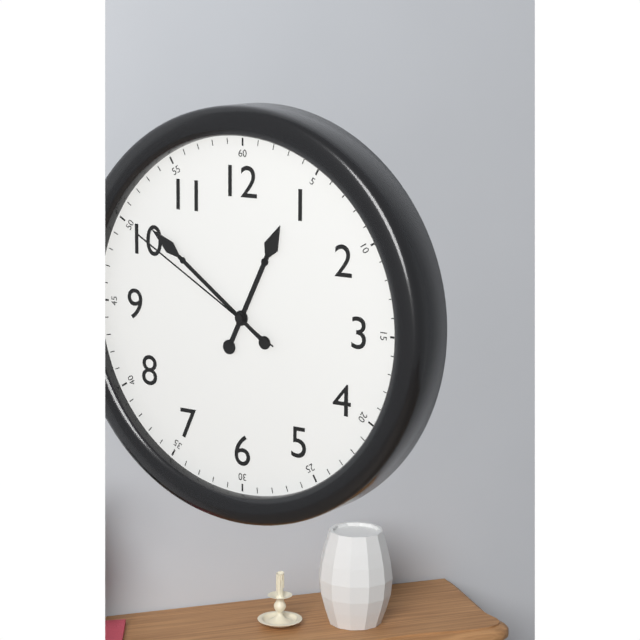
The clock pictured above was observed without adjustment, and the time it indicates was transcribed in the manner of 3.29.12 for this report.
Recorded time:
12.51.50
